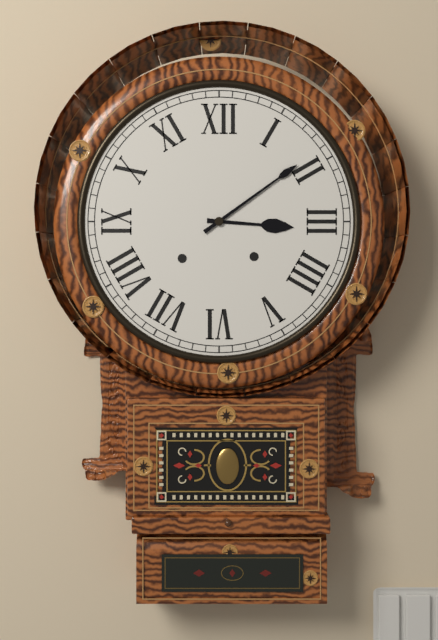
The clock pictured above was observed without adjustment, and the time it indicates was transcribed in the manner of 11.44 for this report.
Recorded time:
3.09
